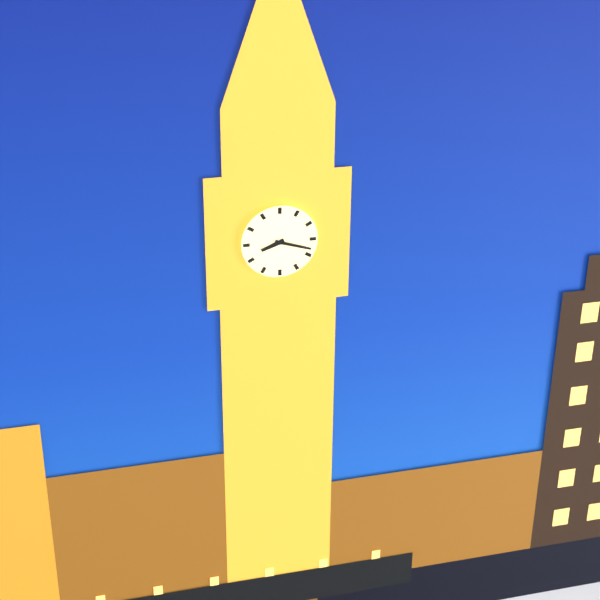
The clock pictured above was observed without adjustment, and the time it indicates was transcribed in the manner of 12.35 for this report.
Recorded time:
8.18
